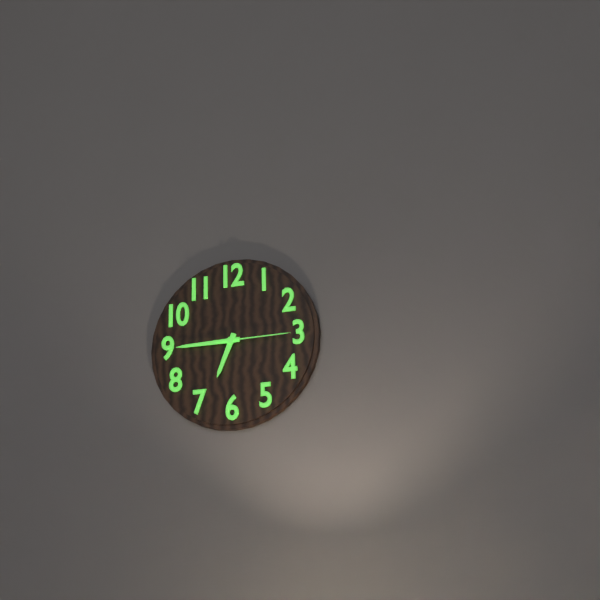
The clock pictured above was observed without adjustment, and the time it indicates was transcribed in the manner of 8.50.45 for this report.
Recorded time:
6.45.15
